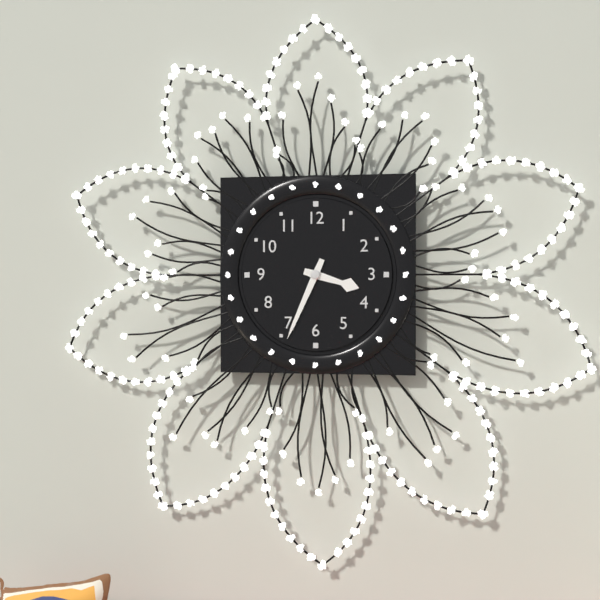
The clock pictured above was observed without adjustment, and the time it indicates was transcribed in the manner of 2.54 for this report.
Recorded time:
3.34
